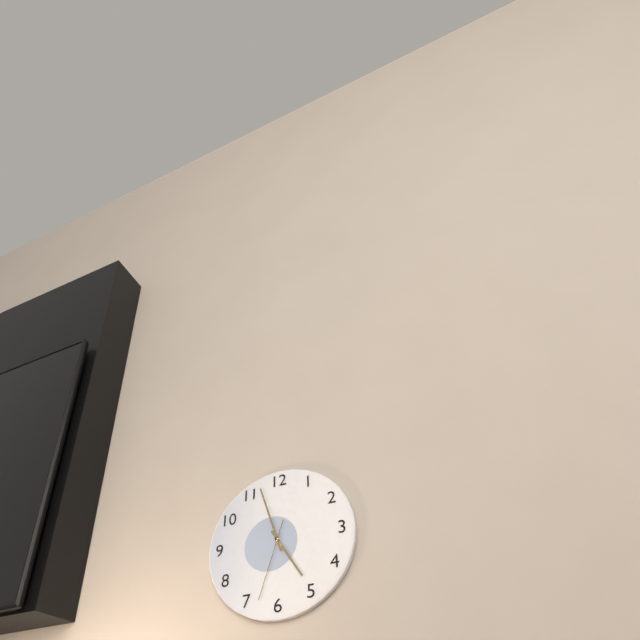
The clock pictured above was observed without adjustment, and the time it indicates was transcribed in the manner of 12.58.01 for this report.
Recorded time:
4.57.33
